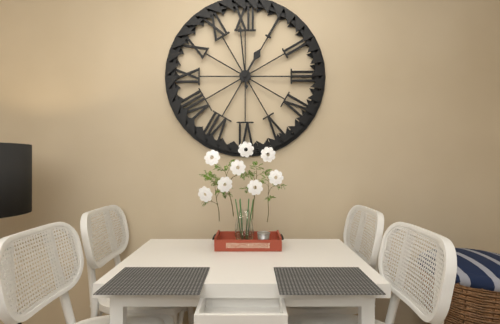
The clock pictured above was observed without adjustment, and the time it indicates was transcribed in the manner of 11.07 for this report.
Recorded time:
12.59
